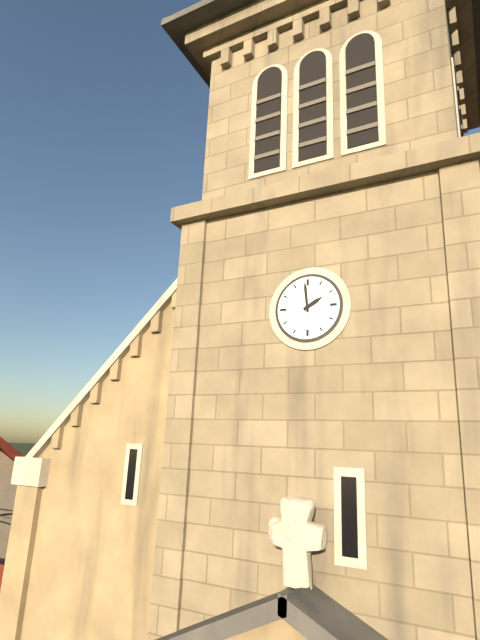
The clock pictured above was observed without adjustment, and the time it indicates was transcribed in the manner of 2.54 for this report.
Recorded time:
1.59
